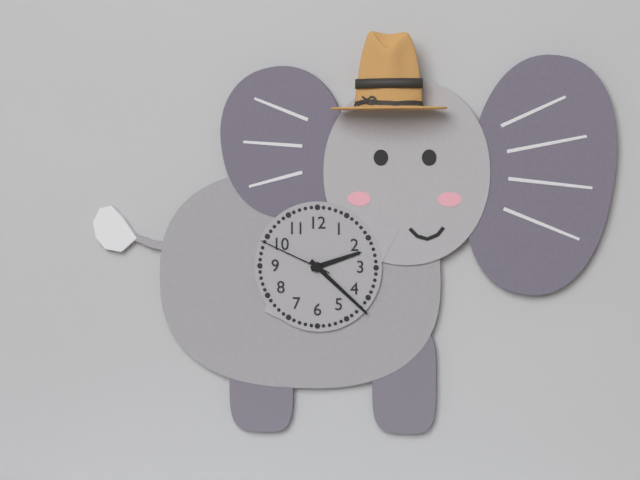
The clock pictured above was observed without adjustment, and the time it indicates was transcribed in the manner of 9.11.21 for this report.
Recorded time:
2.22.49
